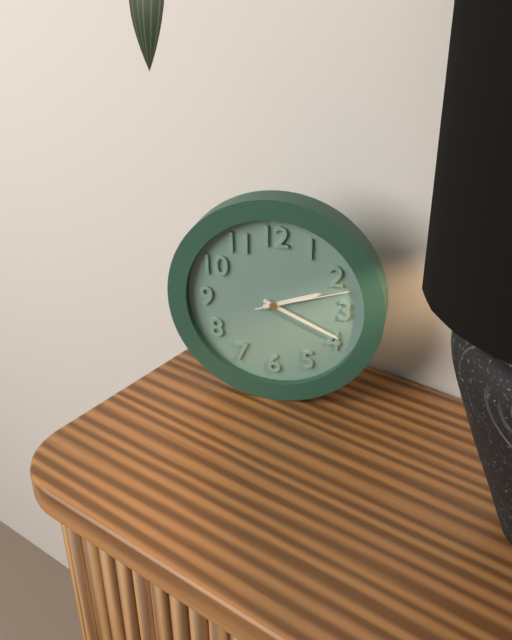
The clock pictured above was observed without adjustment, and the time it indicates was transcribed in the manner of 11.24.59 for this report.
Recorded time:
2.19.12
